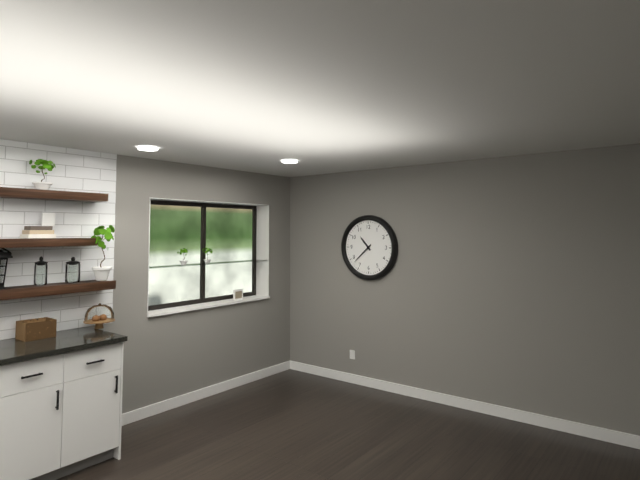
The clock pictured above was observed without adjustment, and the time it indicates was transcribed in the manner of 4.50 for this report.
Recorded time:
10.38
